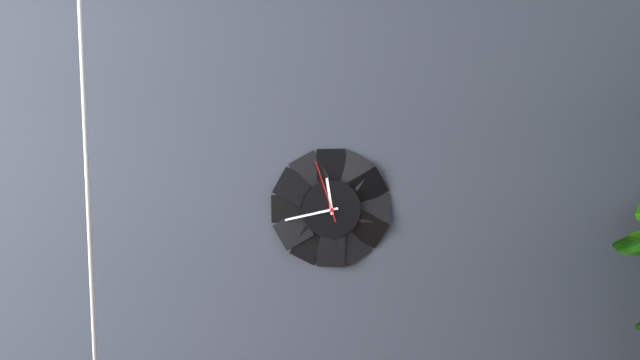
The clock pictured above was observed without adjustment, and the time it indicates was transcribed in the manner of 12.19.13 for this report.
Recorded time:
11.43.57
